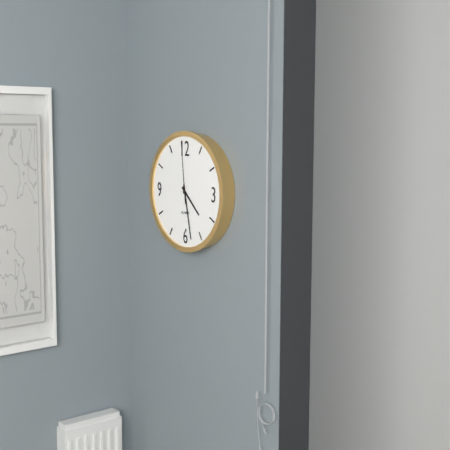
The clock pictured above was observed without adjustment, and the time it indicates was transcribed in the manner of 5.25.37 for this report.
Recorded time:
4.28.59
